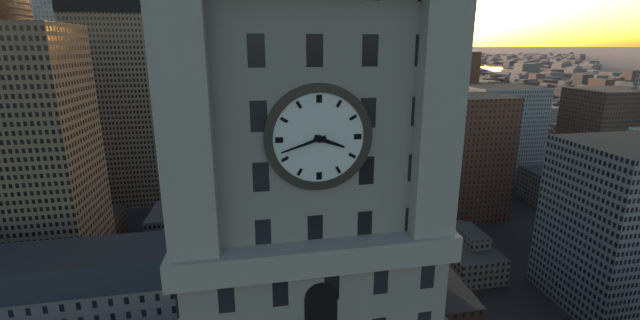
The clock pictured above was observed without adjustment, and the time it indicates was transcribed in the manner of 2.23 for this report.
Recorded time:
3.42
